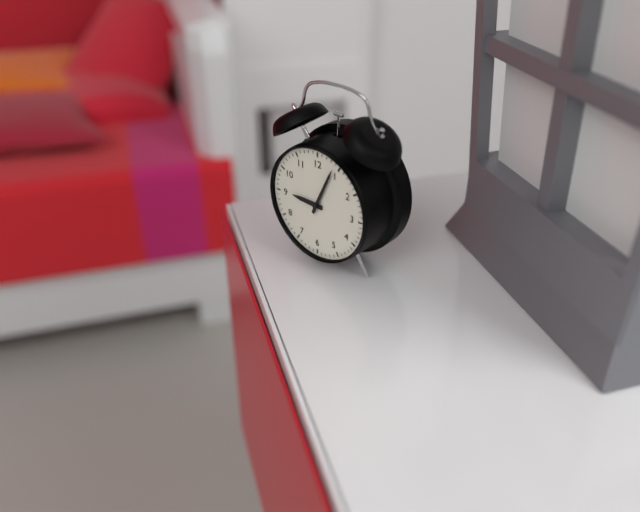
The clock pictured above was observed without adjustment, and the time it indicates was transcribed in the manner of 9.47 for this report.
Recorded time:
9.04
